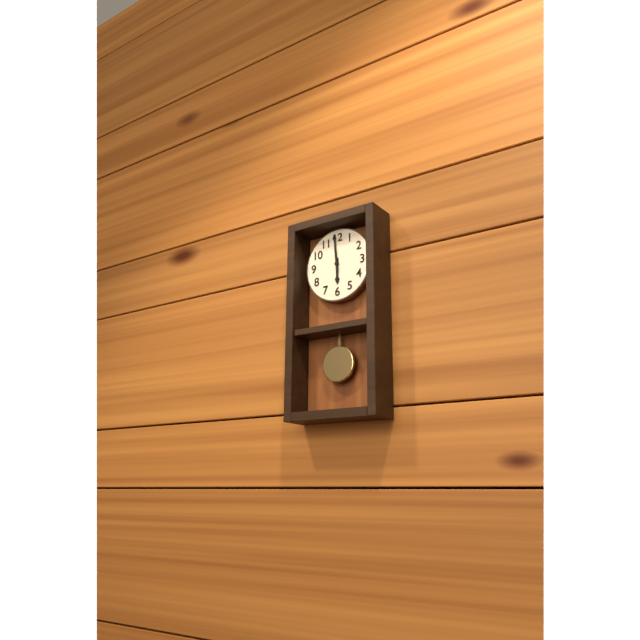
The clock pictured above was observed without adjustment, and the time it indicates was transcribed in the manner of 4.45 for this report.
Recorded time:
5.59
